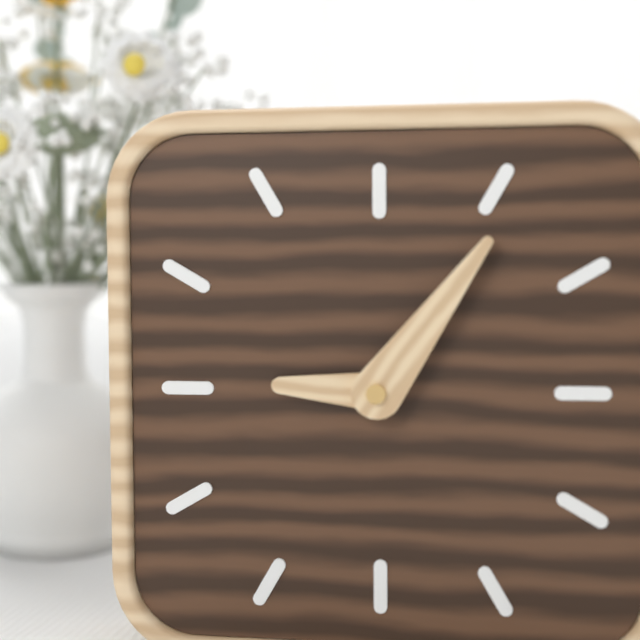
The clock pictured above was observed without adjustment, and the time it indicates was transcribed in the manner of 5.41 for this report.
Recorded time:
9.06
